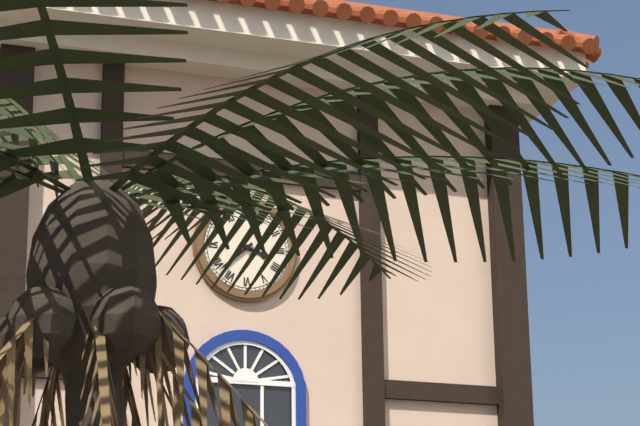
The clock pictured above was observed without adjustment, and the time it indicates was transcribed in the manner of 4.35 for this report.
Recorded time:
3.38
